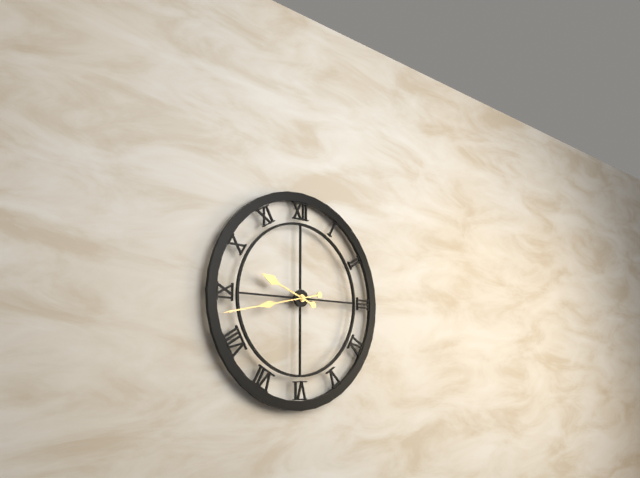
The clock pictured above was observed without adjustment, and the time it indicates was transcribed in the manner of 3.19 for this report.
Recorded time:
9.43
